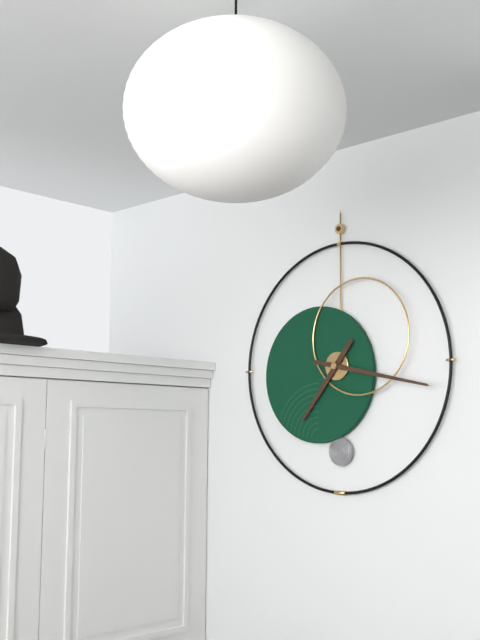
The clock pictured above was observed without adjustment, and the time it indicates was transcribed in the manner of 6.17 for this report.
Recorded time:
7.17
